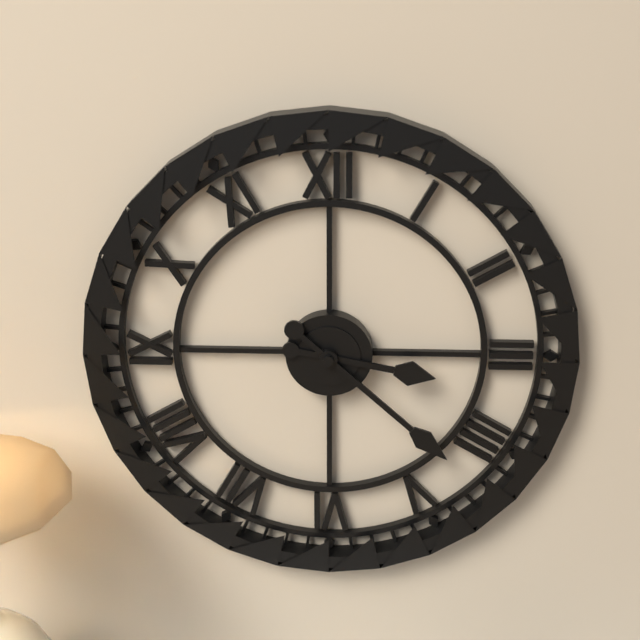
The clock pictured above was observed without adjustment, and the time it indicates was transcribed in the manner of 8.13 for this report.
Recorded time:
3.22
